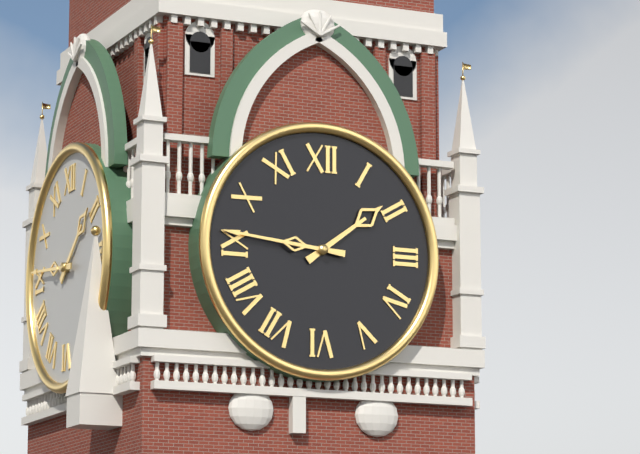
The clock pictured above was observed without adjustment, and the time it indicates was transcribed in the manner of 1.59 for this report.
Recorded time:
1.46
